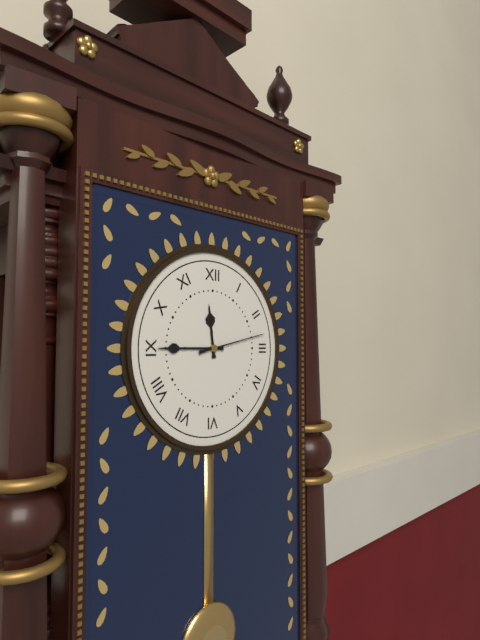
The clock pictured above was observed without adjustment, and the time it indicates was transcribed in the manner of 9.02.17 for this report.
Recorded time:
11.45.13
